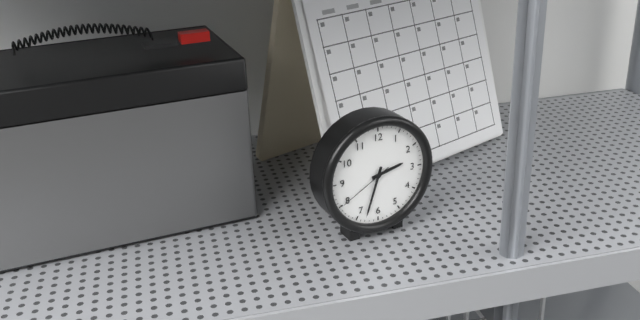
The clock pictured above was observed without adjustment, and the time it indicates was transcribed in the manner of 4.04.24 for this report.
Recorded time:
2.33.40
